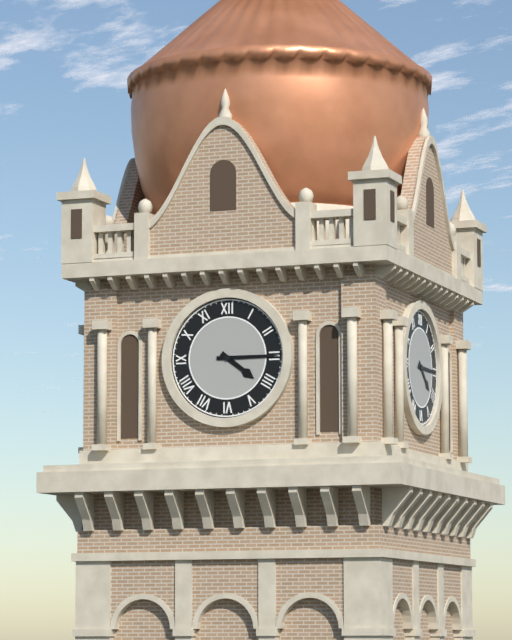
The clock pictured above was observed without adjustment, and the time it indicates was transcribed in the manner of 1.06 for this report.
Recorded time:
4.15
